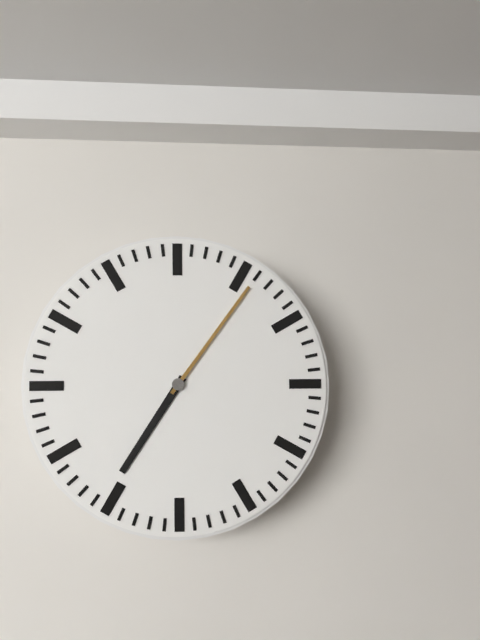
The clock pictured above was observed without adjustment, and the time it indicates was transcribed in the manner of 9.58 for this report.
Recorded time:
7.06
